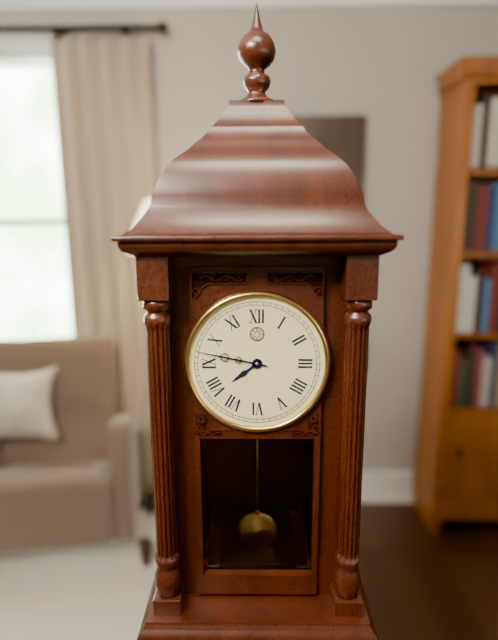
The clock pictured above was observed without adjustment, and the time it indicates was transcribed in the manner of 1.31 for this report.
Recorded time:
7.47
